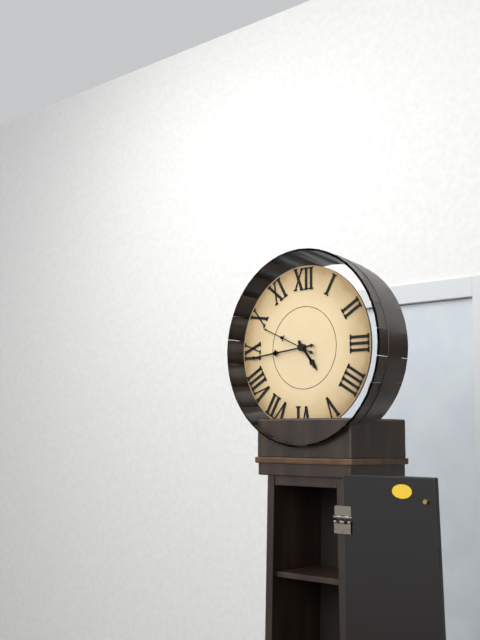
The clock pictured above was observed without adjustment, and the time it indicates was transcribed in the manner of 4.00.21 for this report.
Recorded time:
4.44.49
